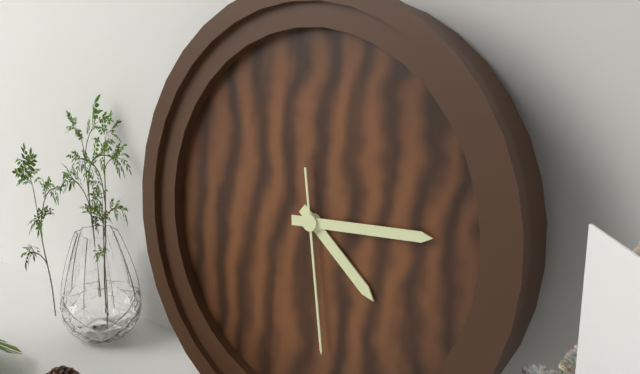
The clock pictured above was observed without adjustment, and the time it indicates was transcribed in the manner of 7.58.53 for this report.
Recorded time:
4.14.28
